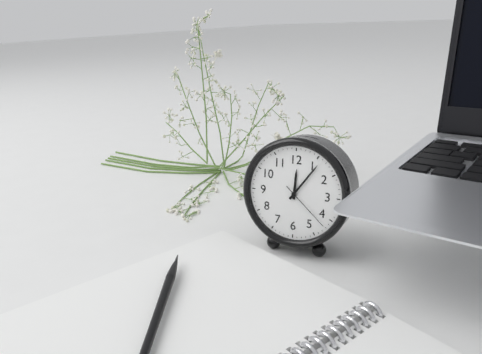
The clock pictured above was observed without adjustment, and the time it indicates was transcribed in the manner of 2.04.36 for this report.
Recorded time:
12.06.22
